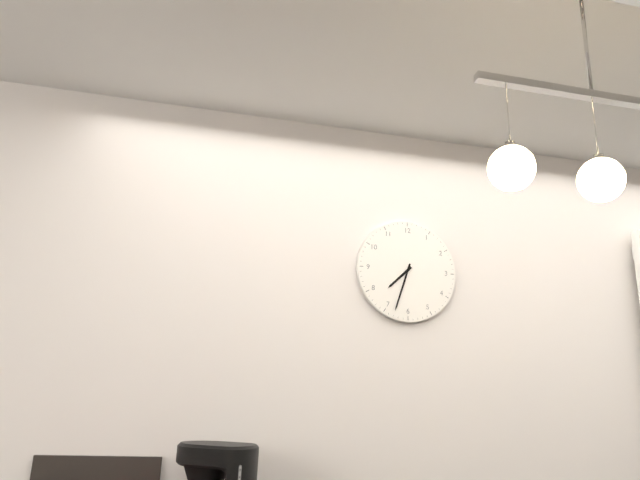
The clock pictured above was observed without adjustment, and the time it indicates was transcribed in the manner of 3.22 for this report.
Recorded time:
7.33
